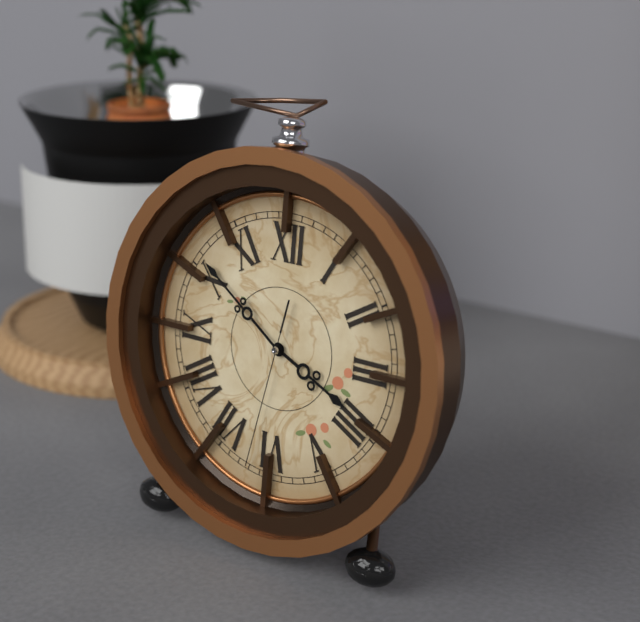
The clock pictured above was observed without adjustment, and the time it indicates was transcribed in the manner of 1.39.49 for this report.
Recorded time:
3.51.32
